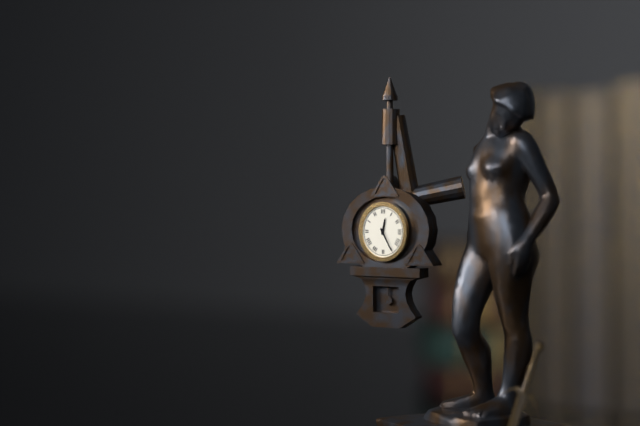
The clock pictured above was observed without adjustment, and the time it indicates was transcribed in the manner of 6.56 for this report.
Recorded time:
12.25
